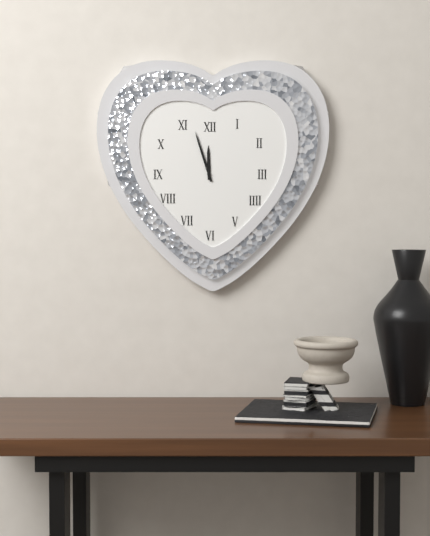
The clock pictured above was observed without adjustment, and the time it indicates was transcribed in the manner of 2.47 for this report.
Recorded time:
11.57
